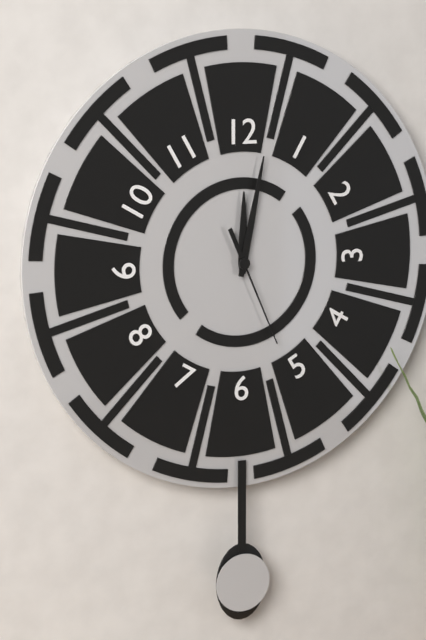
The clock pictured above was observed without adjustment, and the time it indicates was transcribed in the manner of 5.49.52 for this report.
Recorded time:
12.02.26
